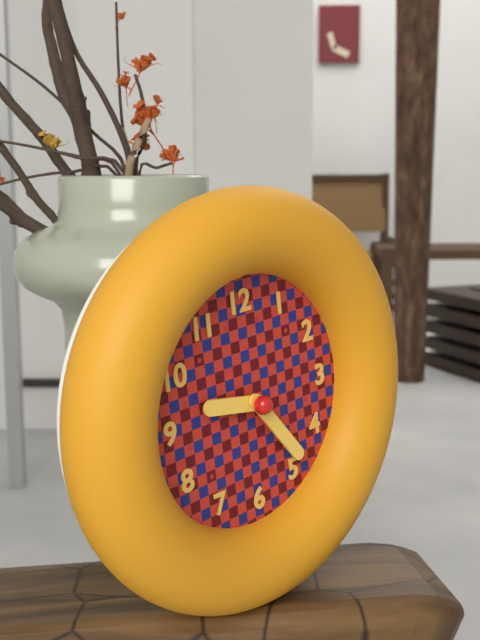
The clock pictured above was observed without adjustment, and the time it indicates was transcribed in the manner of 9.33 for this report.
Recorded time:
9.24
